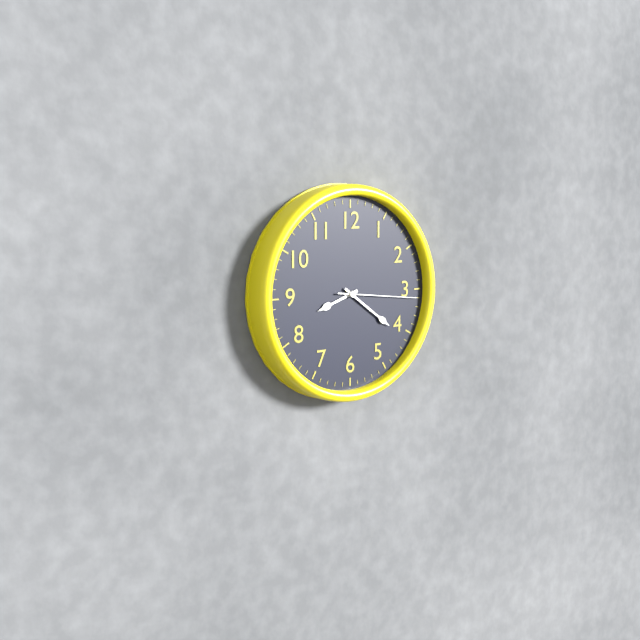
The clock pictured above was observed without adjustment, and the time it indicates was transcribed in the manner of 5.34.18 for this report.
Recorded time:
8.21.16
